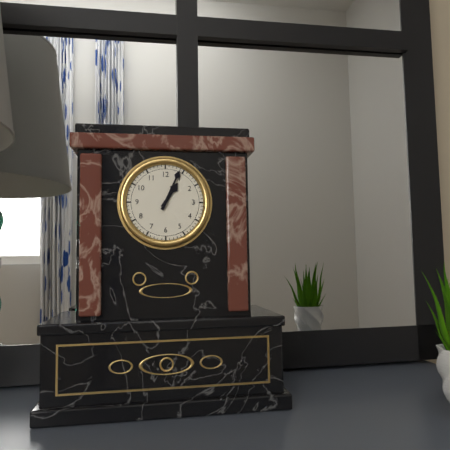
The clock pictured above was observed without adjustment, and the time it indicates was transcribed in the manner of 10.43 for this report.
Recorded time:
1.04
